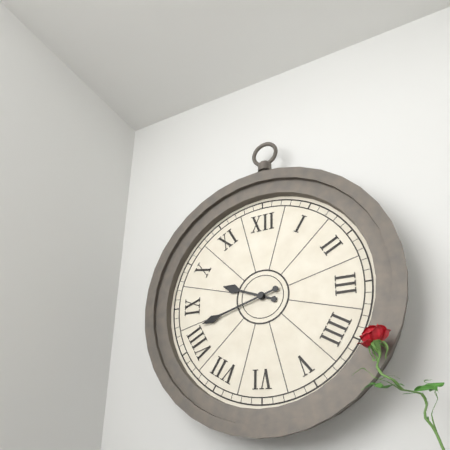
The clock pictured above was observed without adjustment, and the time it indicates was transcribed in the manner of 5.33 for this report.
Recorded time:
9.42
